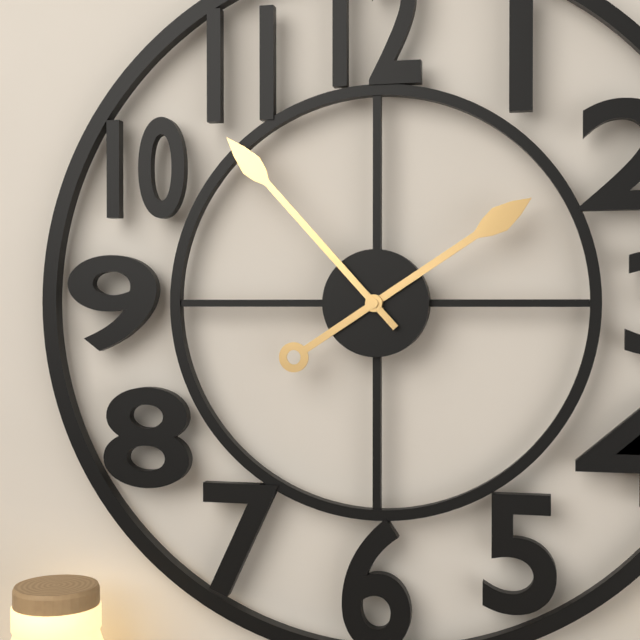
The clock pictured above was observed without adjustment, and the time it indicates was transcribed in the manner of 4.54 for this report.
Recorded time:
1.53
